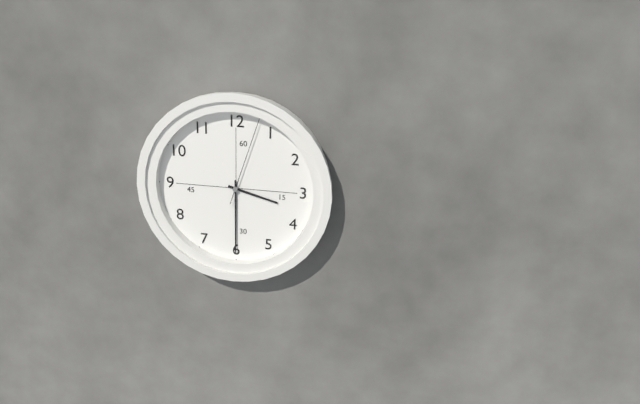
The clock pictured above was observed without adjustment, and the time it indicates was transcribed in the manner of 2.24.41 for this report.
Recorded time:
3.30.03
